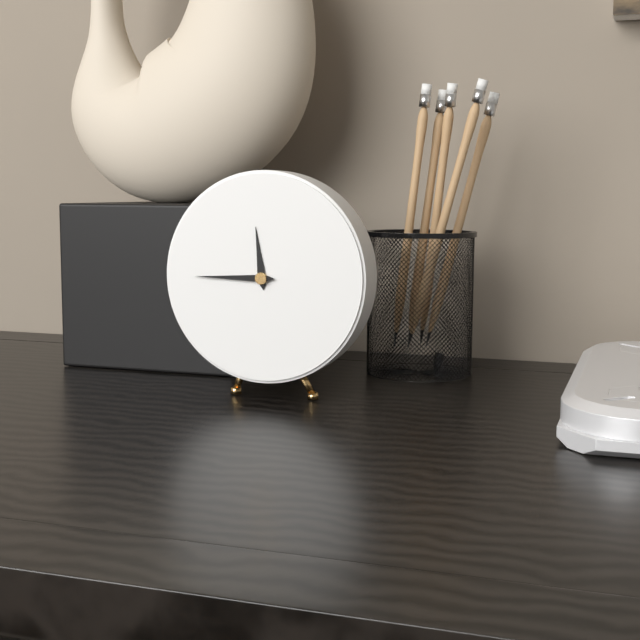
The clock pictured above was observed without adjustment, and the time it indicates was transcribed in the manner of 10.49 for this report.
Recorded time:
11.45
